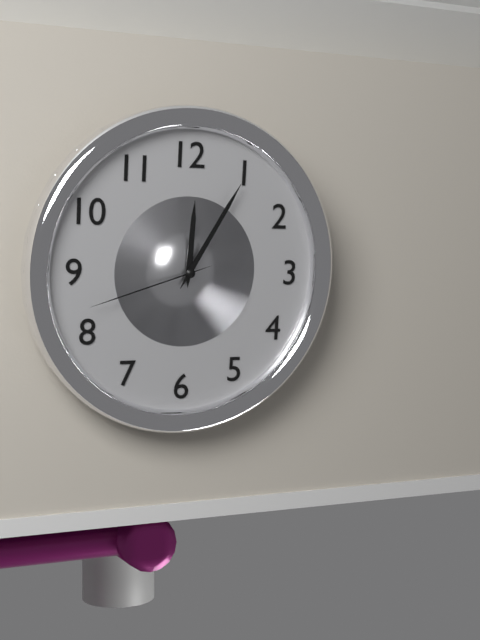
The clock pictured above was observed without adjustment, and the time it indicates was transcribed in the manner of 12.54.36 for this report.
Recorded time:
12.05.42
